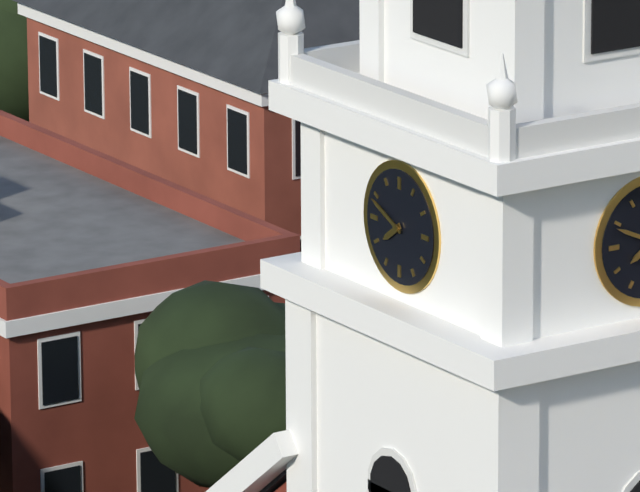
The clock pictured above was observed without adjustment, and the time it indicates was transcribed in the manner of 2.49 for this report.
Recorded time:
7.49
